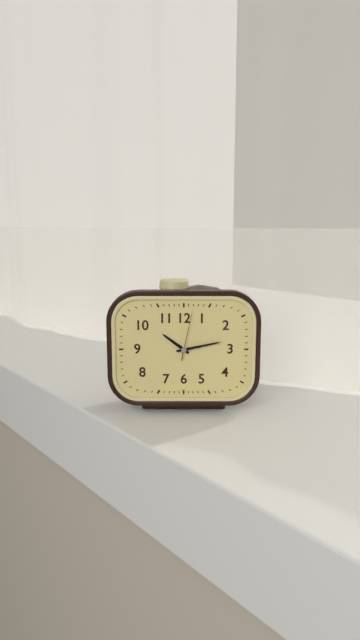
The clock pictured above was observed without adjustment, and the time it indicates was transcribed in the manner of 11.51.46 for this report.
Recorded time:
10.13.02
